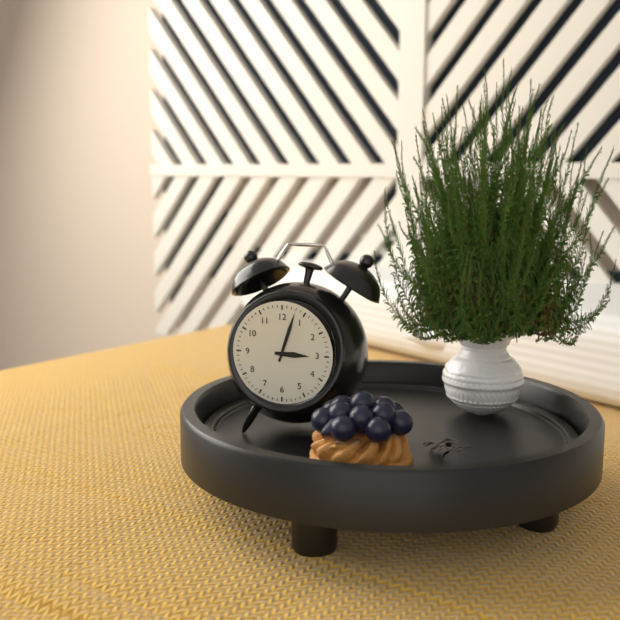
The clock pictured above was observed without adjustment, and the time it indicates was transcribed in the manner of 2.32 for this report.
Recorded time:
3.03
